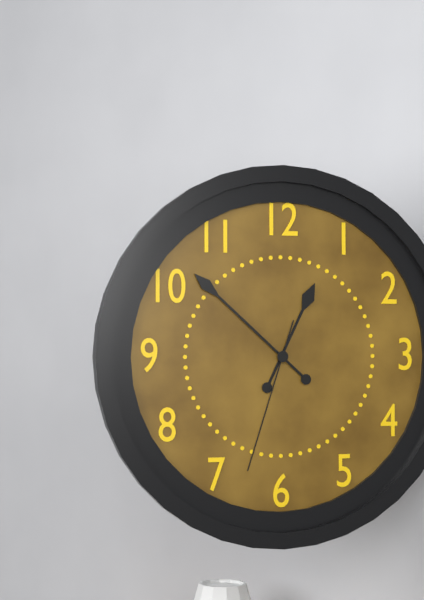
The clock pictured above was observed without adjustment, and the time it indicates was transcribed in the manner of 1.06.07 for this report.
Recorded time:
12.52.33
